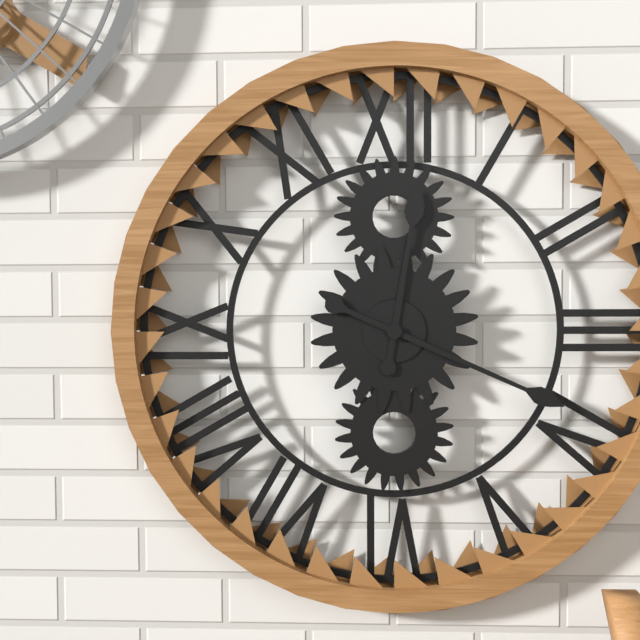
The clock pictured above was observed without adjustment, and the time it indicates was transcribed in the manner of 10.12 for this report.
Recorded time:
12.19
